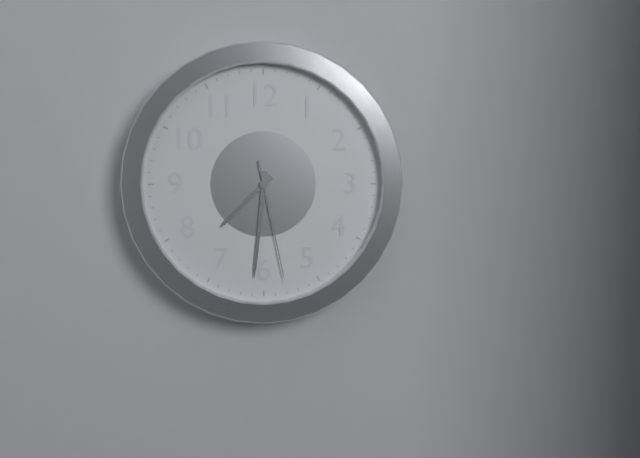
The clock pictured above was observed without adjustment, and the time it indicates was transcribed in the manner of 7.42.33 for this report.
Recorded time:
7.31.28
